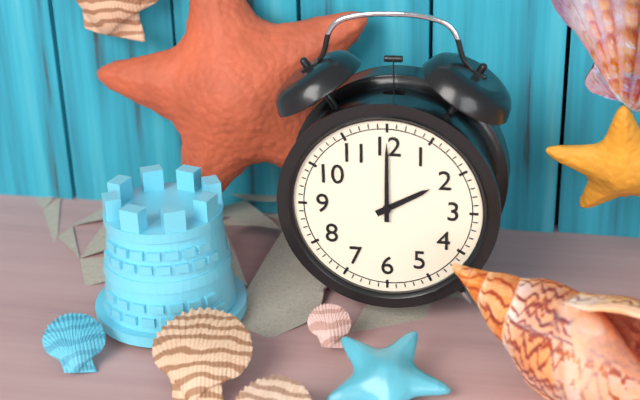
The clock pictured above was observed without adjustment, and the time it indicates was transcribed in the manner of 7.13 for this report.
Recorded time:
2.00
